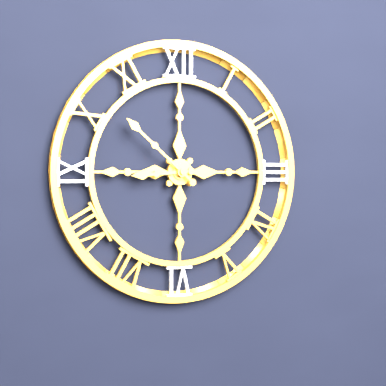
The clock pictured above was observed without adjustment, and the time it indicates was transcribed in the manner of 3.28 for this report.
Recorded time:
8.52
